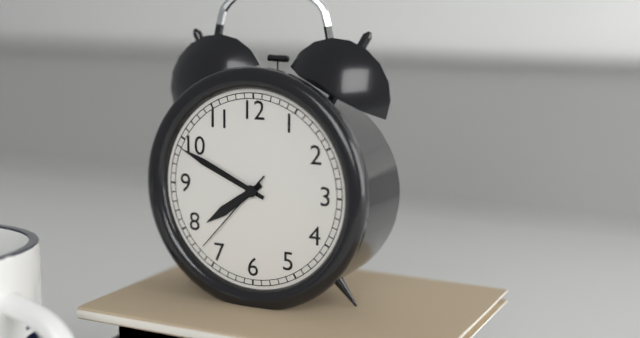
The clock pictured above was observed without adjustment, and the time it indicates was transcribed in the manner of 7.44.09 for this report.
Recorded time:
7.49.37
